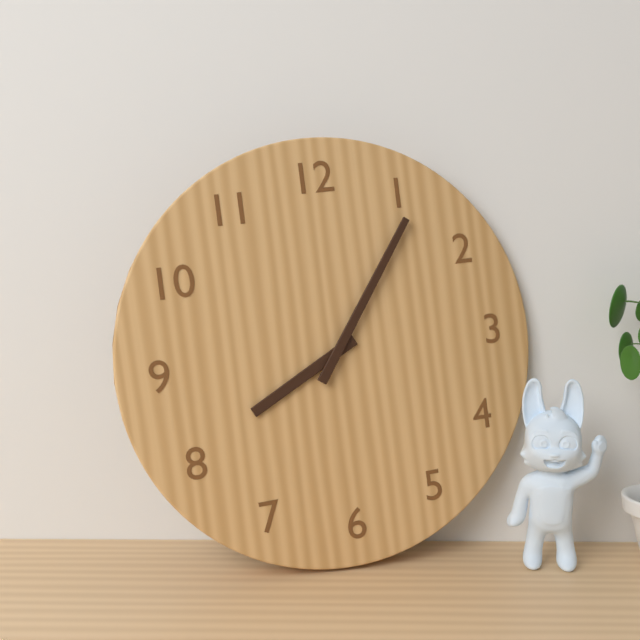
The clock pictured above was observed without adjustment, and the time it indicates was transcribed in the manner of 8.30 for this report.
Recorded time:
8.06
